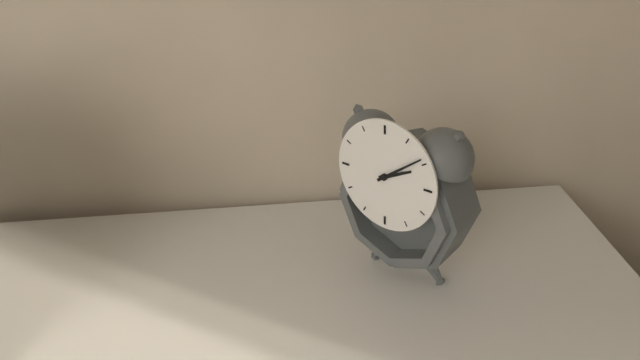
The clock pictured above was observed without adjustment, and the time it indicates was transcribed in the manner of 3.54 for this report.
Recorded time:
2.09
